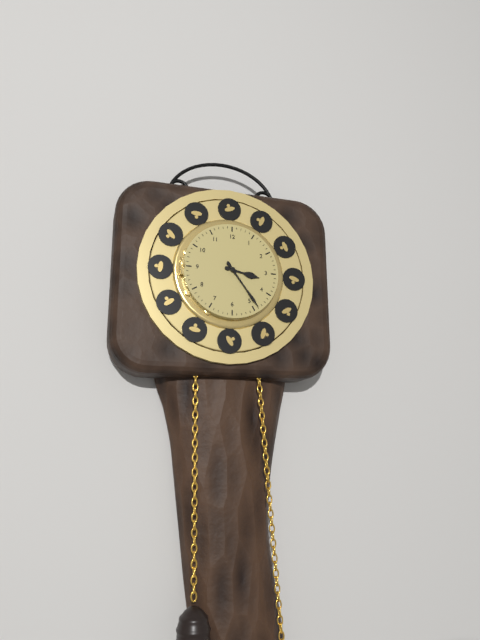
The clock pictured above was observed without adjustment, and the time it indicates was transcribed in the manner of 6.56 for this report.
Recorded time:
3.24
